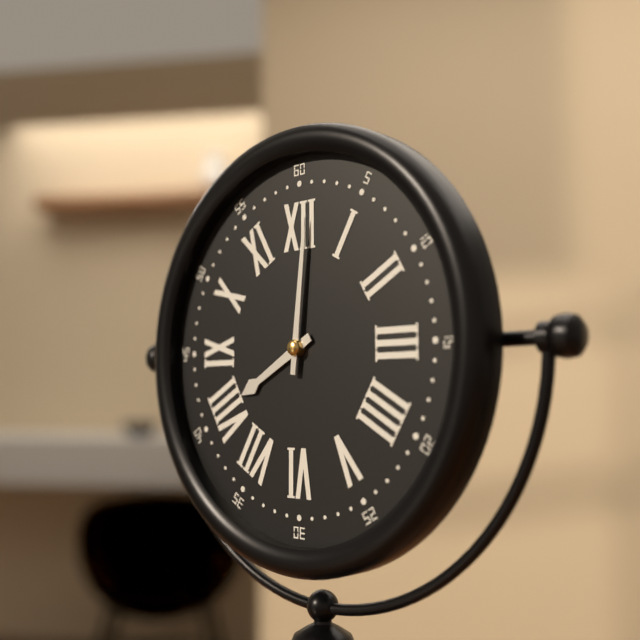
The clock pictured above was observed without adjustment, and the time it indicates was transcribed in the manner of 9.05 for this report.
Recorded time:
8.01
